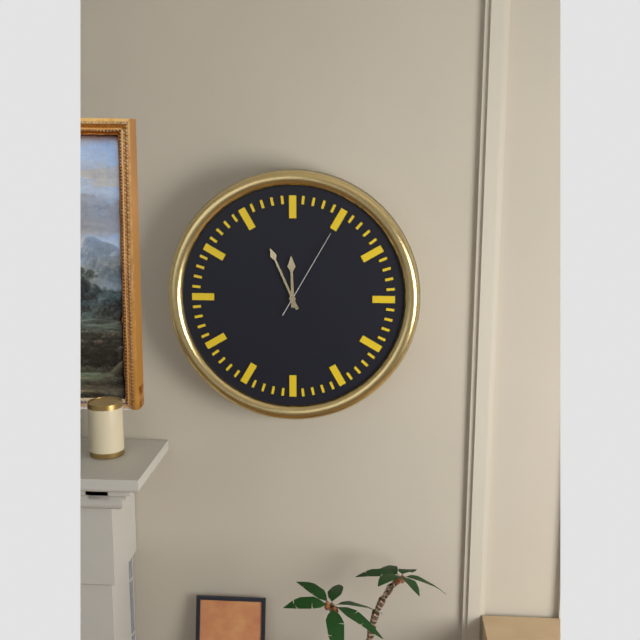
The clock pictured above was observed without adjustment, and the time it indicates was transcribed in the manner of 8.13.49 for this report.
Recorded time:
11.56.05
